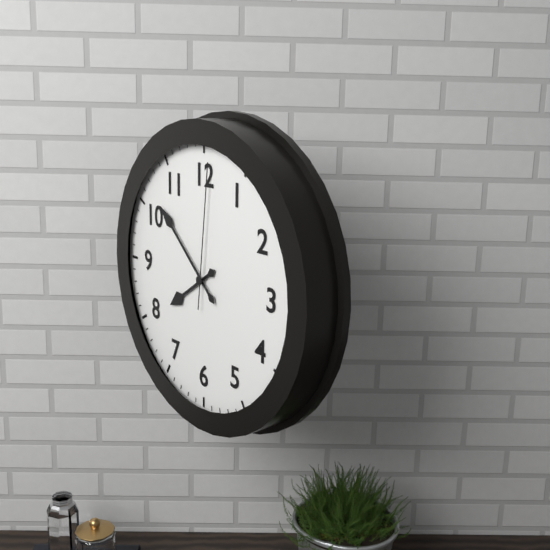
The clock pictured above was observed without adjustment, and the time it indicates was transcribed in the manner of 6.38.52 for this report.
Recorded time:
7.52.01
